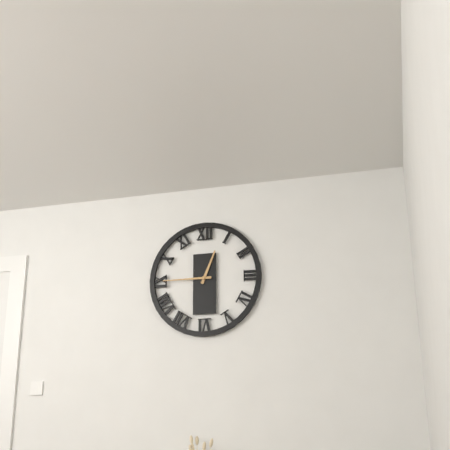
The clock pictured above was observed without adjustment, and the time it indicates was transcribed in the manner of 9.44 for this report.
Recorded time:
12.45
